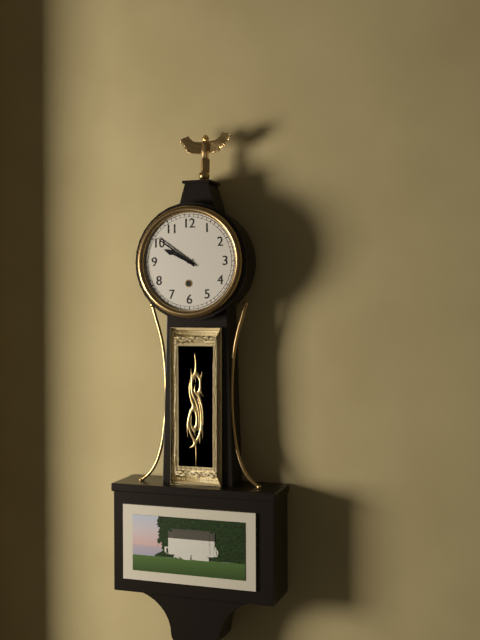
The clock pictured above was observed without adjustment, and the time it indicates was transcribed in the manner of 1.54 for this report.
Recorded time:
9.51
